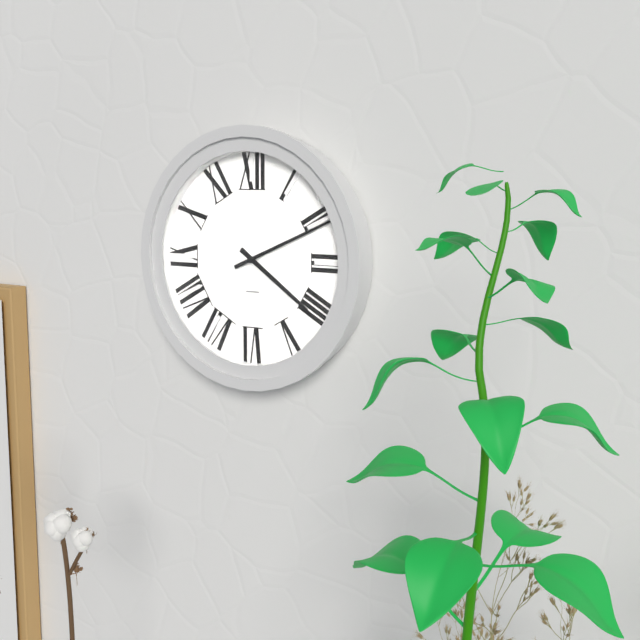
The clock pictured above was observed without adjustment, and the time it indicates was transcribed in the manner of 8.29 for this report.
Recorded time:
4.11
